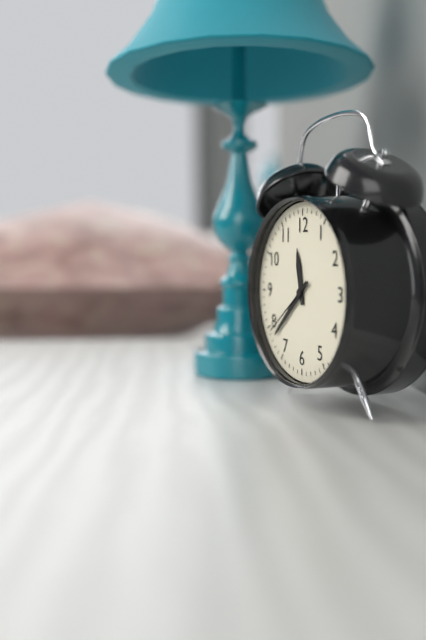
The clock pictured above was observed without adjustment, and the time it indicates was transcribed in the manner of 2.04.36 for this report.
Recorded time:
11.38.39
